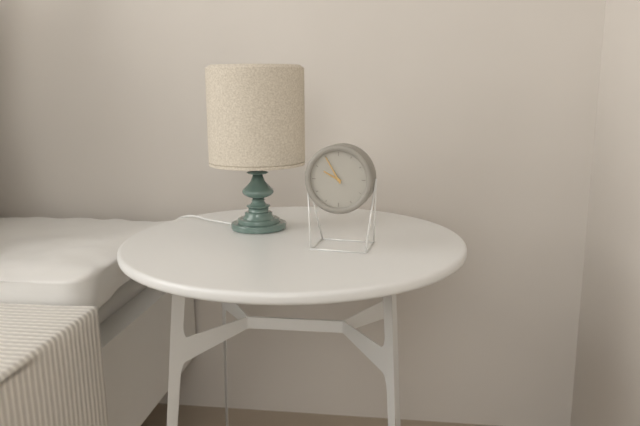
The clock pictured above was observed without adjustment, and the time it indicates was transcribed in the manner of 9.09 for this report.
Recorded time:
9.55
